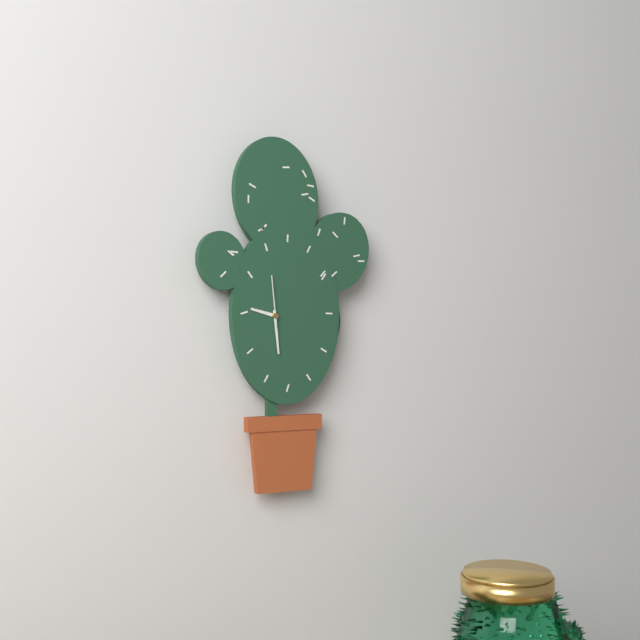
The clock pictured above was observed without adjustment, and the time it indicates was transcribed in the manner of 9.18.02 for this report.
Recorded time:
9.29.59
